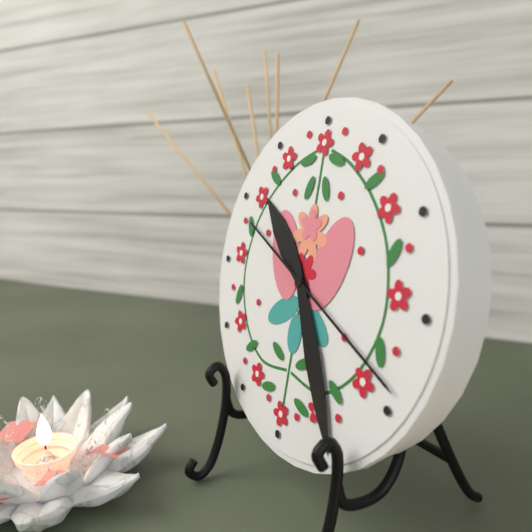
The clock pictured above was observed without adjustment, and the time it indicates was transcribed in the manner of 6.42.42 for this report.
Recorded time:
10.25.19
